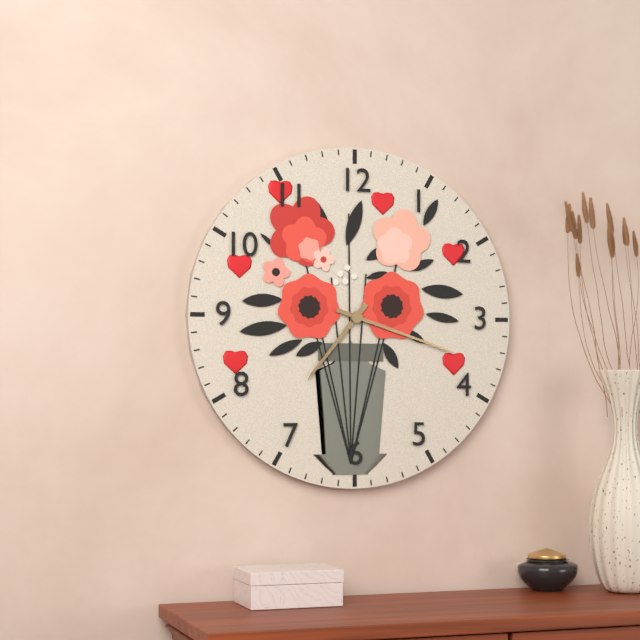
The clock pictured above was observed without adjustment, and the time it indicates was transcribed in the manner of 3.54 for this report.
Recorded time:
7.18
